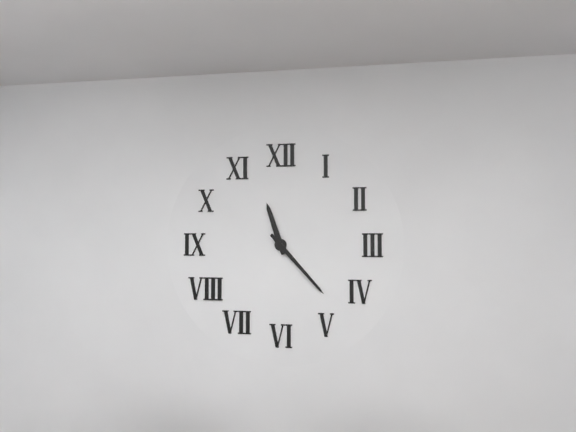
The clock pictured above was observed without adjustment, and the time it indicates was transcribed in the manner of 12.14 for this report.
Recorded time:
11.23
